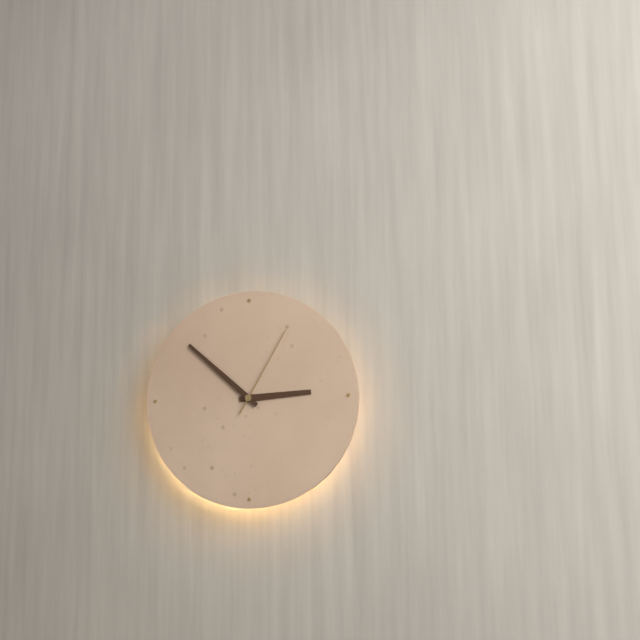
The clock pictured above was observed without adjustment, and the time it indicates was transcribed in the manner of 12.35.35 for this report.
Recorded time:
2.52.05
